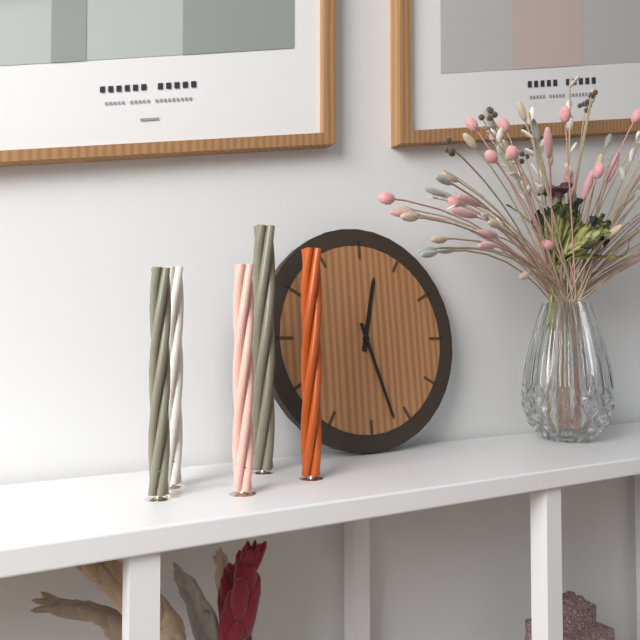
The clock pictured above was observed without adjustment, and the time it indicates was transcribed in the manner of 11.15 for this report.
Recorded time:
12.27
